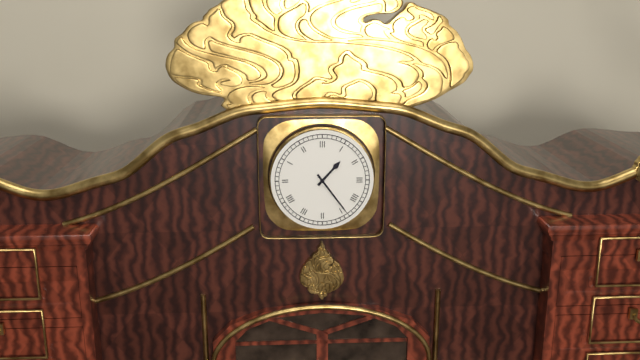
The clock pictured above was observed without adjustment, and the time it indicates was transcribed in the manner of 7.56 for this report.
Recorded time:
1.24
